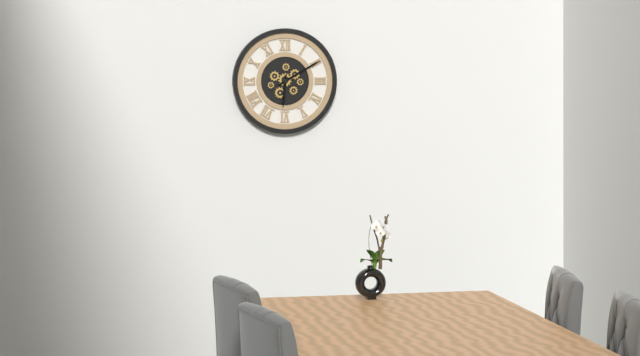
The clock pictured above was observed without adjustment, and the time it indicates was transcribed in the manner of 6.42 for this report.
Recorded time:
6.10
